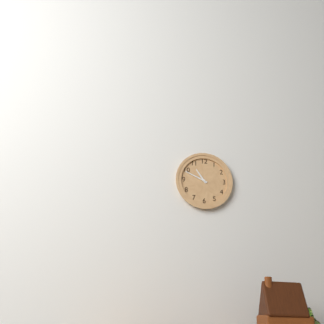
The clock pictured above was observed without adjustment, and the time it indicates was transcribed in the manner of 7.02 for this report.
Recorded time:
10.49
